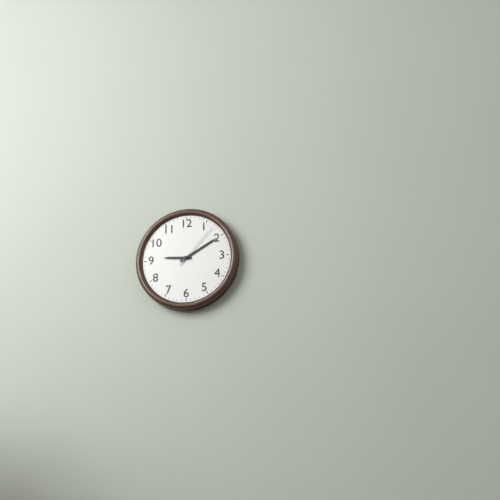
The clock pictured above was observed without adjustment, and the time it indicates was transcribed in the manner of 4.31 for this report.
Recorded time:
9.10
